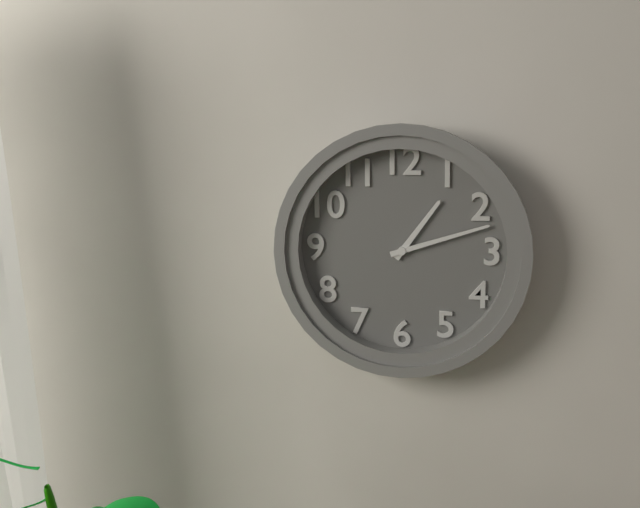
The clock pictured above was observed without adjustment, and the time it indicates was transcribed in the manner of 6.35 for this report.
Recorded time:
1.12
